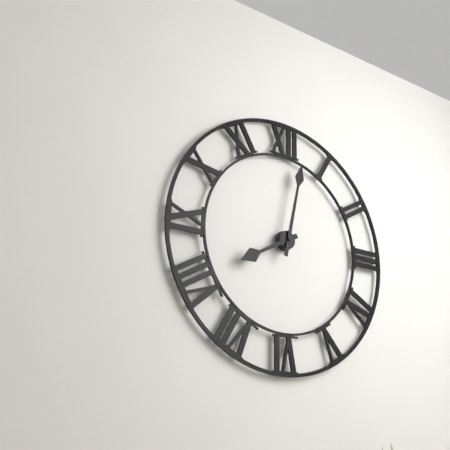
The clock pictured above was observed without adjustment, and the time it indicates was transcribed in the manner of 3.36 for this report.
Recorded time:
8.02
